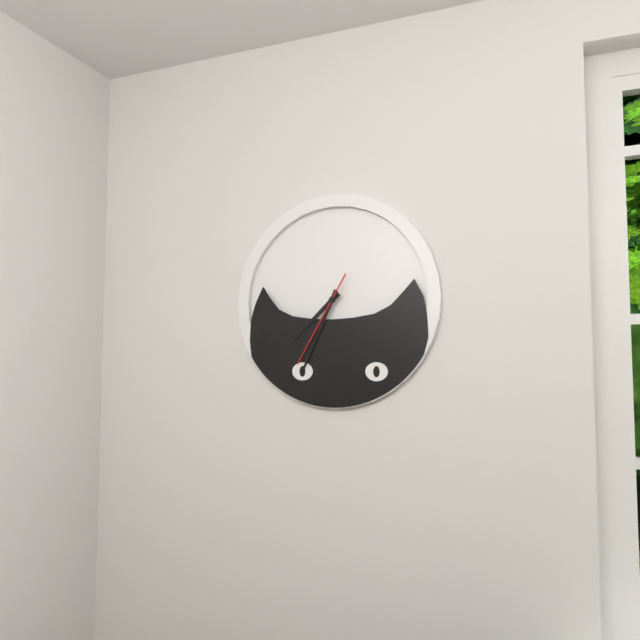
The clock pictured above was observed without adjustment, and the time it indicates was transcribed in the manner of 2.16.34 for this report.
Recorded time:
7.34.35
